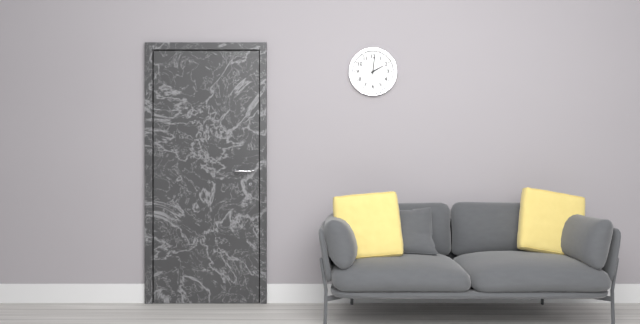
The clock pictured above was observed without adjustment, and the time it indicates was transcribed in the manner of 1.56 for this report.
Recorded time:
2.01
